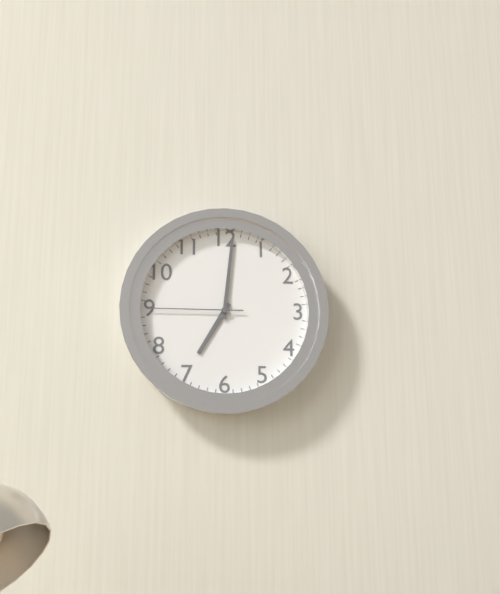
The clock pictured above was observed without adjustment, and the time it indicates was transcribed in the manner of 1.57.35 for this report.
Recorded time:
7.01.45
